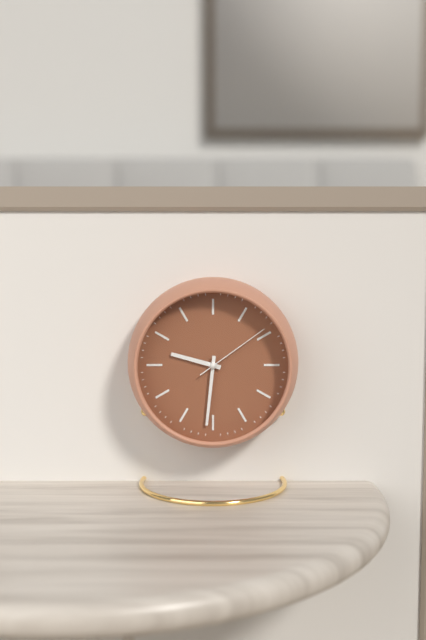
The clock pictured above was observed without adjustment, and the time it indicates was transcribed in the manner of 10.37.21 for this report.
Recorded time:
9.31.09
